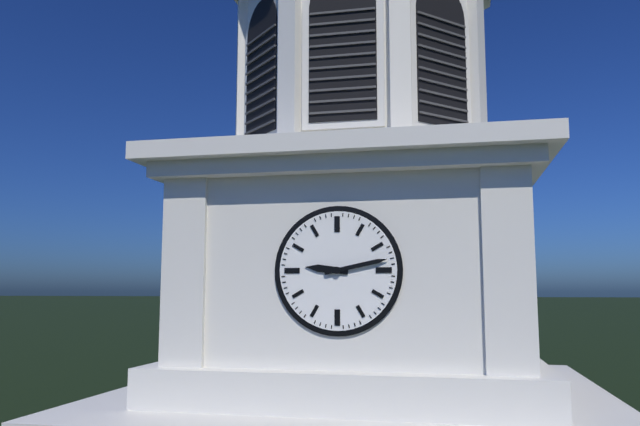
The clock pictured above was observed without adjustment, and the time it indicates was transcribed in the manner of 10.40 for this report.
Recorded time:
9.13
